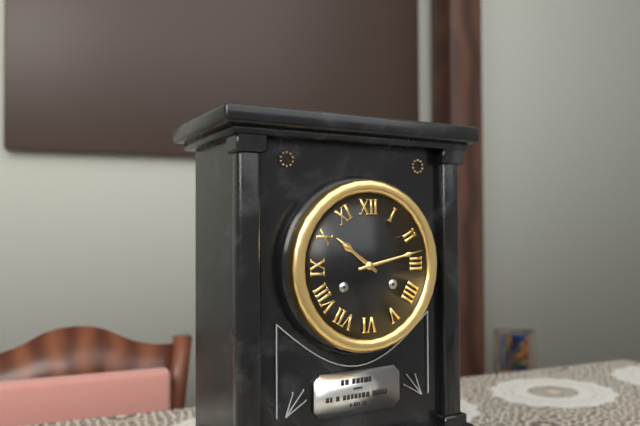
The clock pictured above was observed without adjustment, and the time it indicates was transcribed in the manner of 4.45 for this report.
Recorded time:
10.13
